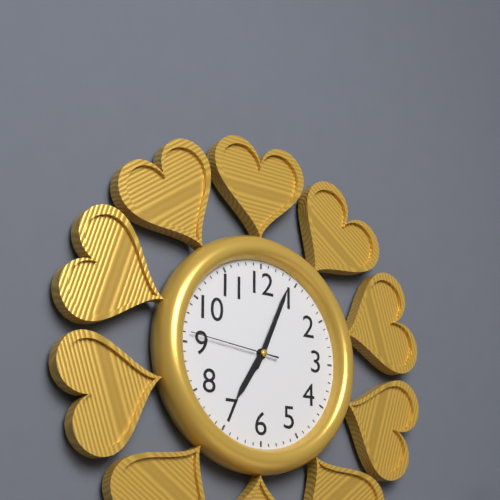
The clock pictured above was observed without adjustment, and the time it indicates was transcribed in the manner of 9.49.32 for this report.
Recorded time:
7.04.46
